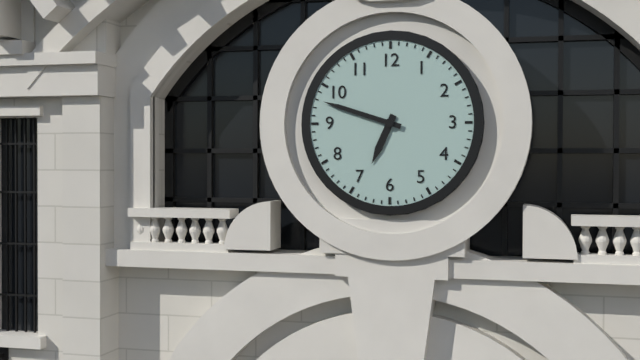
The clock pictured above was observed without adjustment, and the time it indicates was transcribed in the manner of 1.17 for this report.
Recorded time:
6.48
